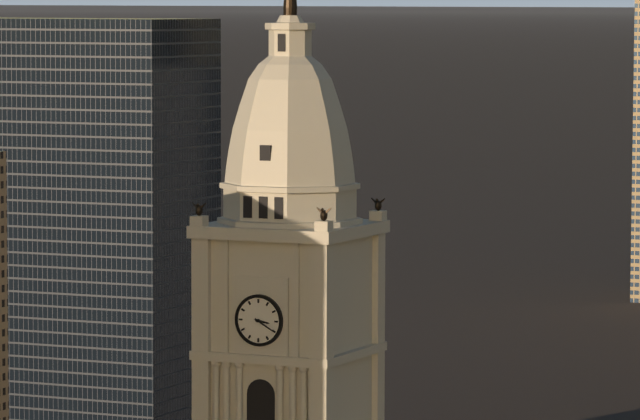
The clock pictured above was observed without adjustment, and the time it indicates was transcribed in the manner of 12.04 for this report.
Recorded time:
3.20
